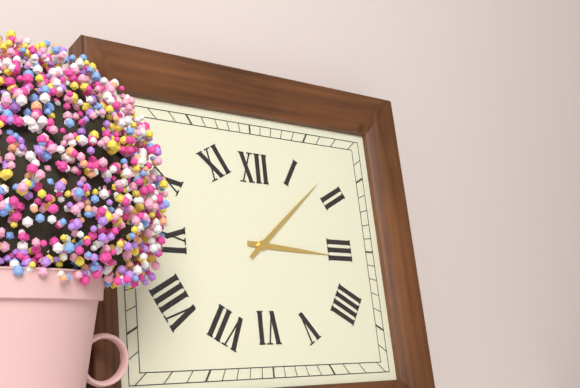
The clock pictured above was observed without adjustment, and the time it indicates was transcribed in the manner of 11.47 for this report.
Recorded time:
3.08
